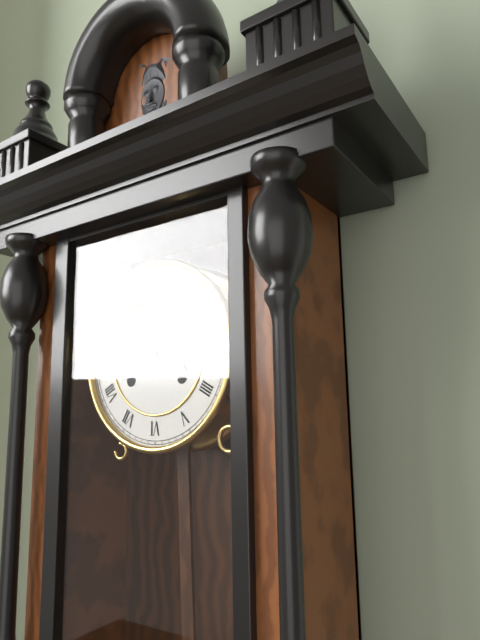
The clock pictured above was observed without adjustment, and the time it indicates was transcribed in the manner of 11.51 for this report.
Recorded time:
3.52
